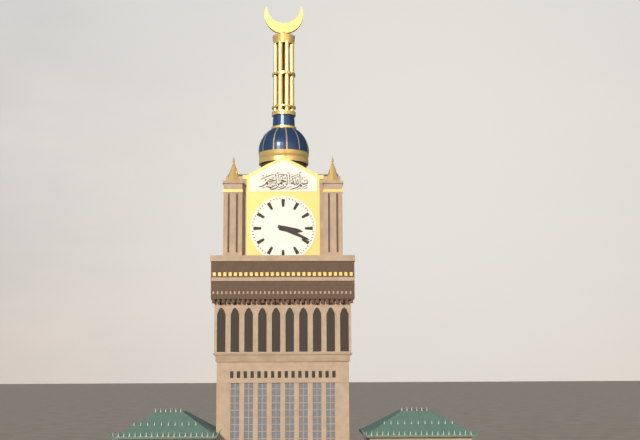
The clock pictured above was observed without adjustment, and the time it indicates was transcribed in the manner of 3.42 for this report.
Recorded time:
3.19
